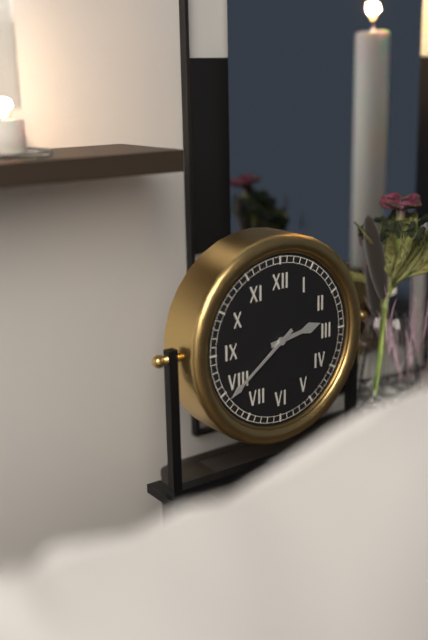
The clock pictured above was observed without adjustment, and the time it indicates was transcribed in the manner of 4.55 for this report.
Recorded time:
2.39
